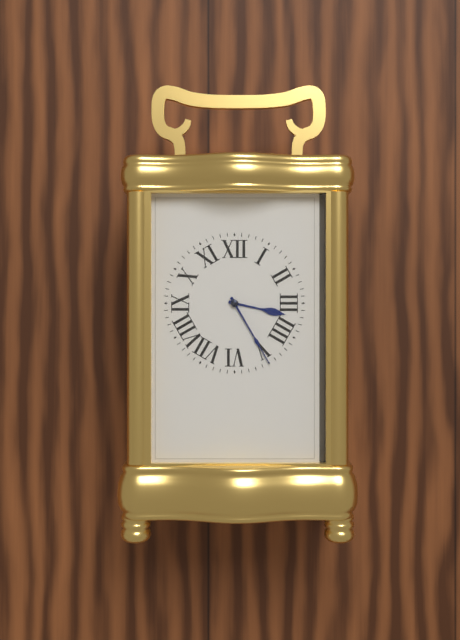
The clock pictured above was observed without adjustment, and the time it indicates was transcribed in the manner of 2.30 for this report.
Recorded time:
3.25
